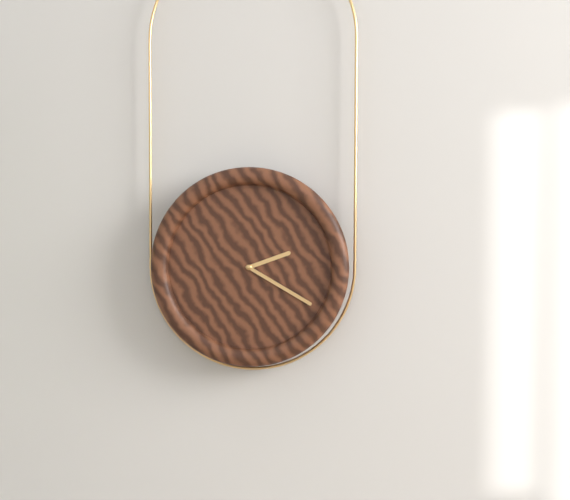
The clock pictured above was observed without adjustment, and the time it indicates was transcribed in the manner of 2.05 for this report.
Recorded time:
2.20
